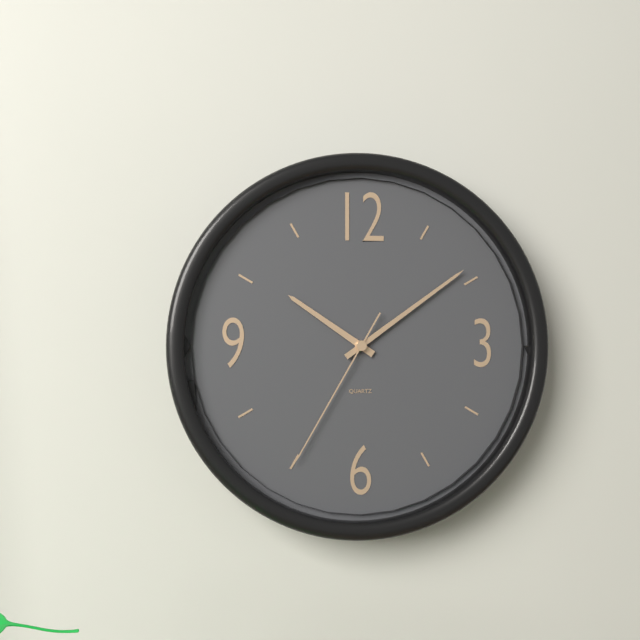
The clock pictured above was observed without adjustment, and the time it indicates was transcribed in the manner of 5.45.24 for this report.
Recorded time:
10.09.35
